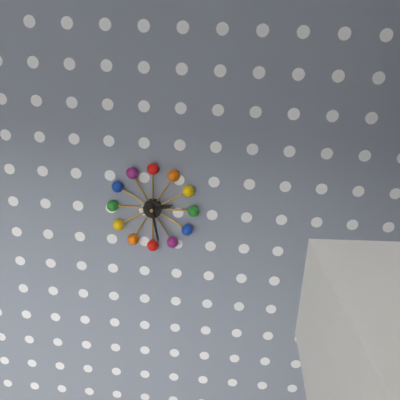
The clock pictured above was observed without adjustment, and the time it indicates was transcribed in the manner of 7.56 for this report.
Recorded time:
2.28
